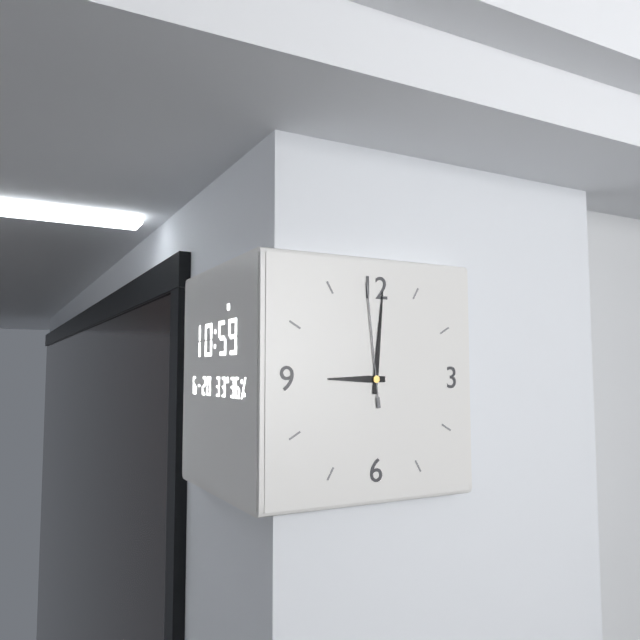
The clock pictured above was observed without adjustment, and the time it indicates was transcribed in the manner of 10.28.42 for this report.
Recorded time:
9.01.59
